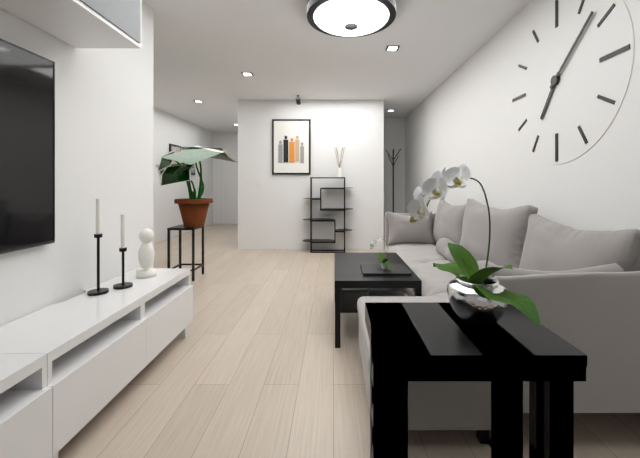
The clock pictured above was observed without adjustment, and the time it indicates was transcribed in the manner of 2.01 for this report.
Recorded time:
7.08
